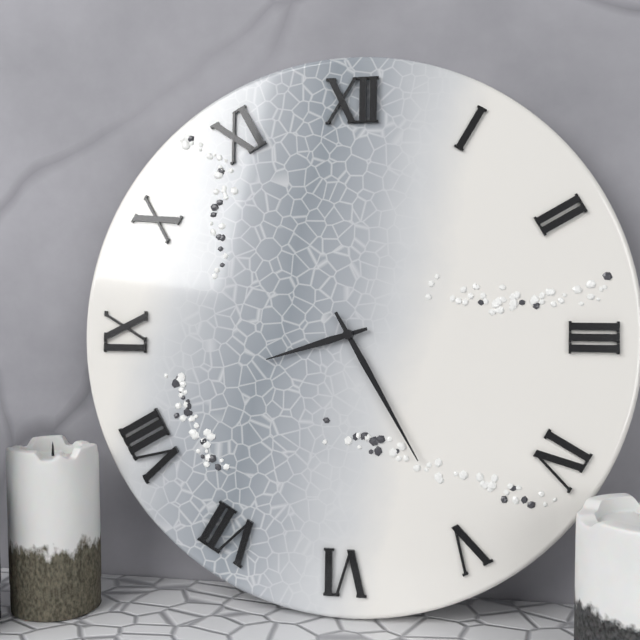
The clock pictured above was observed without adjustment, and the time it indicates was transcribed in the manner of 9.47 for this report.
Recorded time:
8.25
